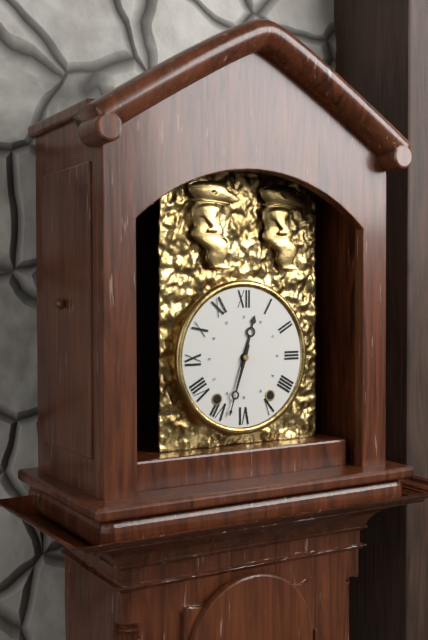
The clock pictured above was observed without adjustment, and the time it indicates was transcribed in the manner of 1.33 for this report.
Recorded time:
12.33
